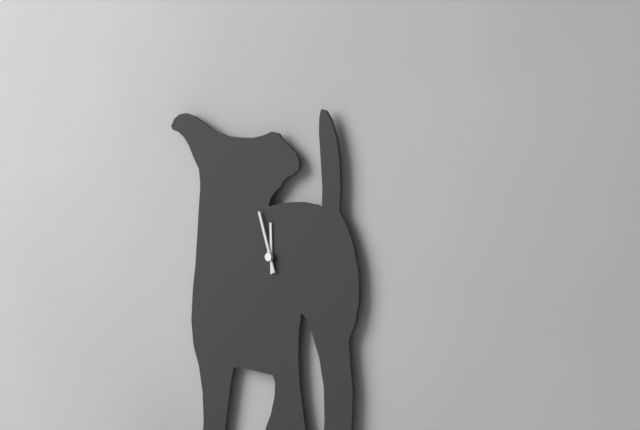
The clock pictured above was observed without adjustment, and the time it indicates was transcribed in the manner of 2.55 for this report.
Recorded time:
11.57
